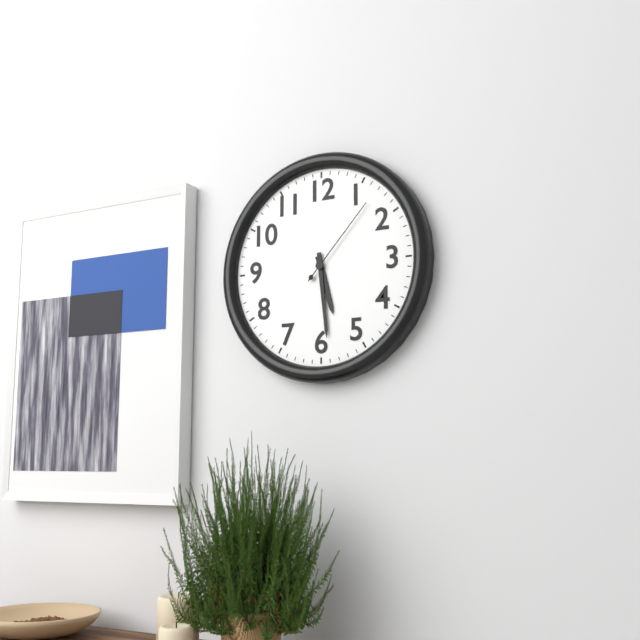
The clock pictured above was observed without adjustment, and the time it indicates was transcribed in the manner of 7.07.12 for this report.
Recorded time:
5.29.07
